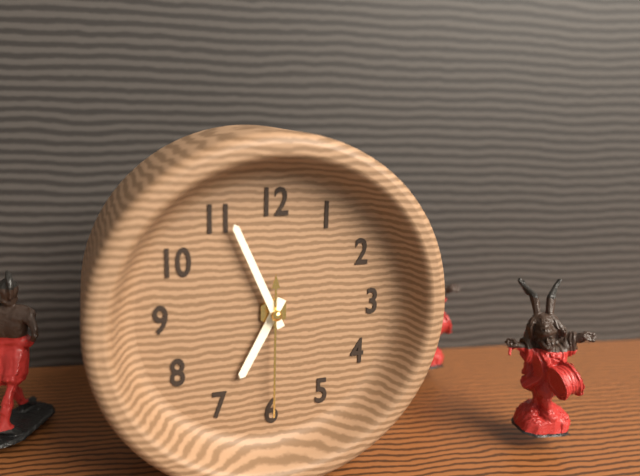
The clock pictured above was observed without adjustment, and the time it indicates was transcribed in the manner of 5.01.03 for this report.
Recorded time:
6.56.30
